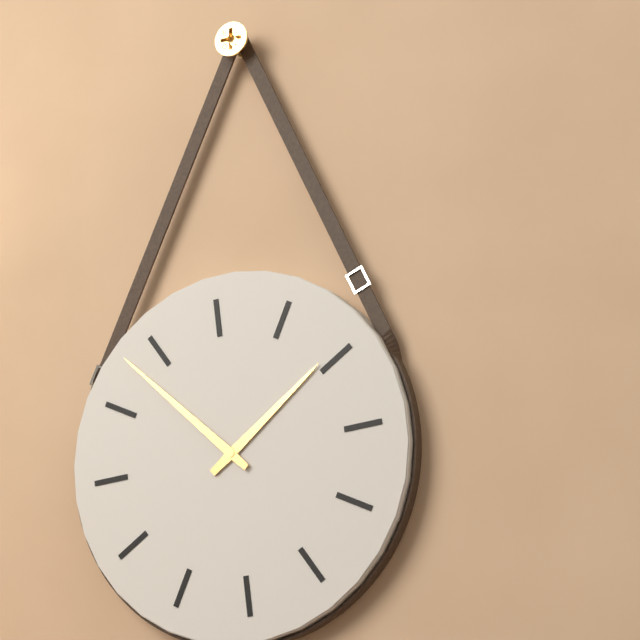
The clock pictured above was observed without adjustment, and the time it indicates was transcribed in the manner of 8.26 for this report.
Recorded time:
1.53
